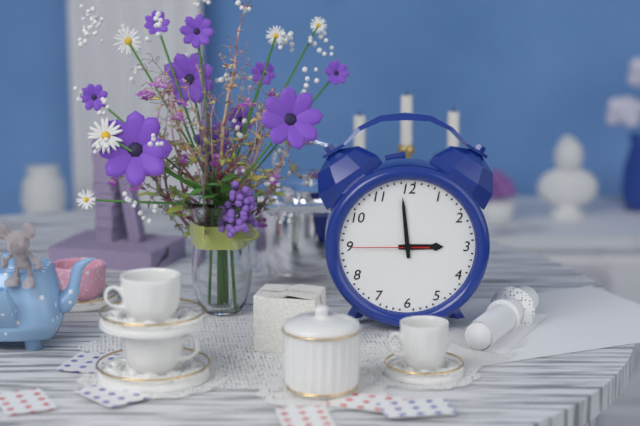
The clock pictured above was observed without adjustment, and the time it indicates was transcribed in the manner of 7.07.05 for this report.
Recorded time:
2.59.45
